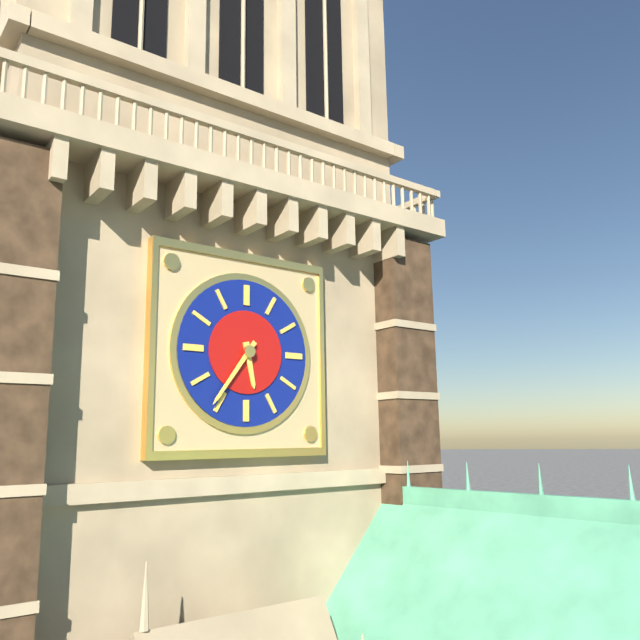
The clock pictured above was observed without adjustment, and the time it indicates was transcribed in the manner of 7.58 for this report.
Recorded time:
5.36
